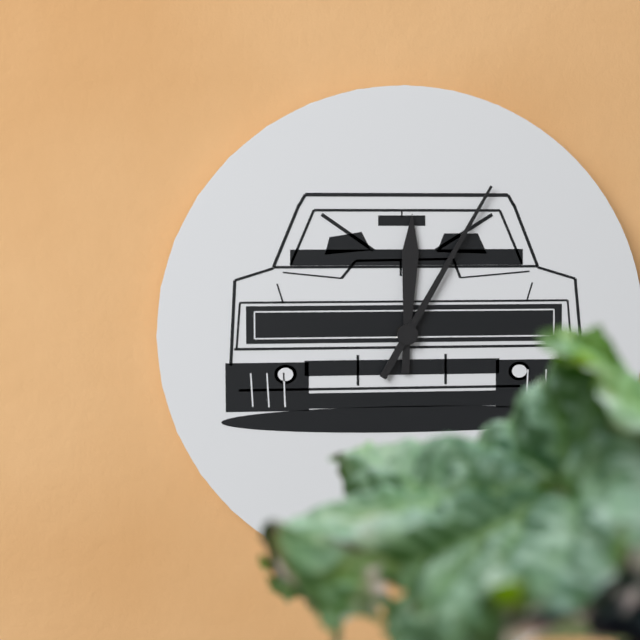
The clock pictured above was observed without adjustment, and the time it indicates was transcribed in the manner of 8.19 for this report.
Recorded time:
12.05
